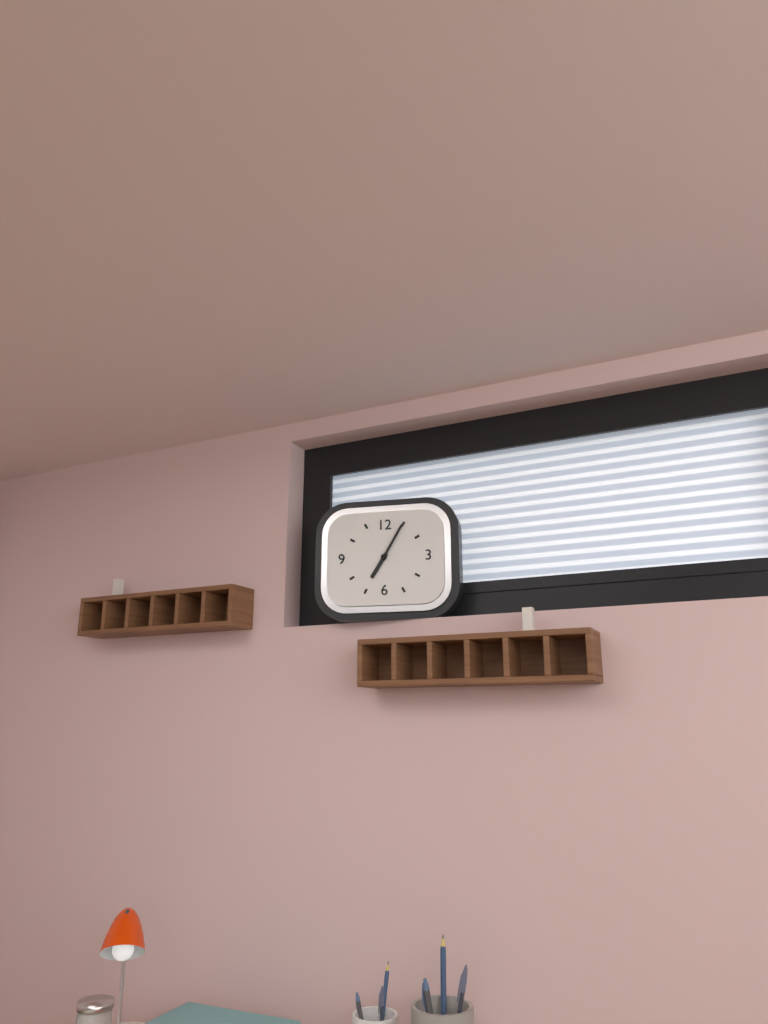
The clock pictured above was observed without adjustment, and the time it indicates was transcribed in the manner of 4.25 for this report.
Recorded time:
7.05
